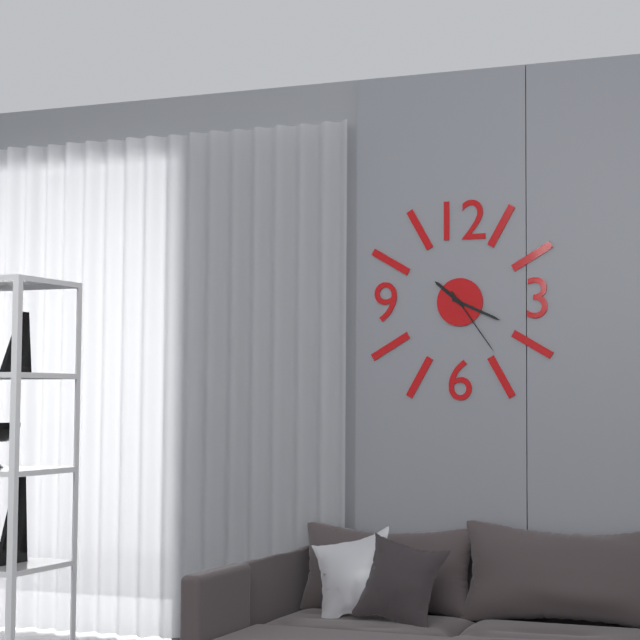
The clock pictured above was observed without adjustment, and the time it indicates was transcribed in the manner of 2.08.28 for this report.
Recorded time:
10.19.24
